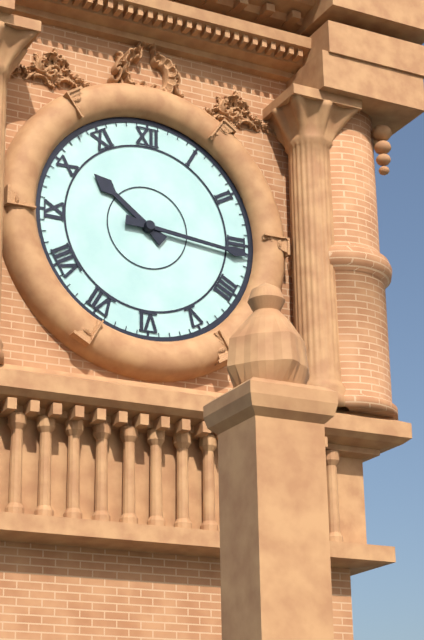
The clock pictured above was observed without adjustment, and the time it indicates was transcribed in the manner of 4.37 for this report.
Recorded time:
10.16
